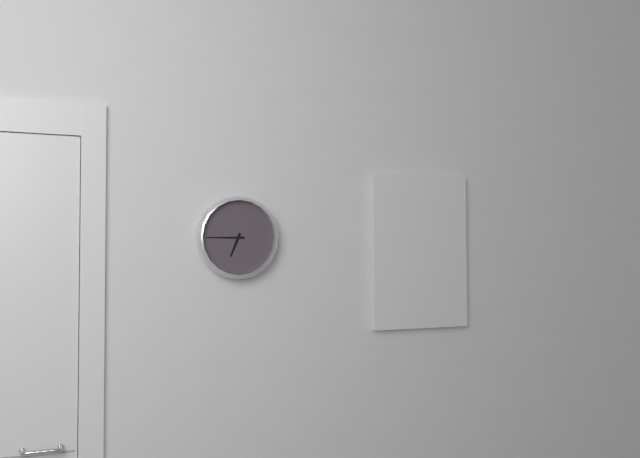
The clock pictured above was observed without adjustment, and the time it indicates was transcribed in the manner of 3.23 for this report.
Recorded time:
6.45
